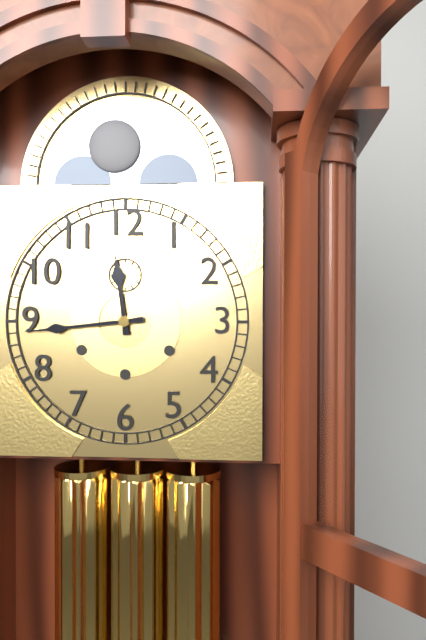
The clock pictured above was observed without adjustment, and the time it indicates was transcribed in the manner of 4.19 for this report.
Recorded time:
11.44
